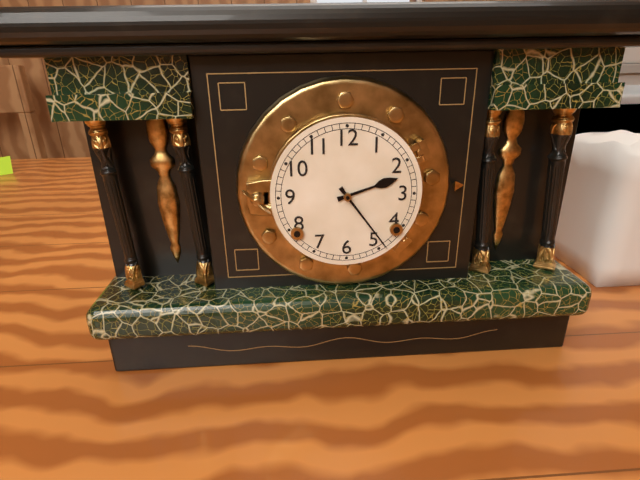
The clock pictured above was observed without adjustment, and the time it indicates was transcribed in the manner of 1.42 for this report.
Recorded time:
2.24
